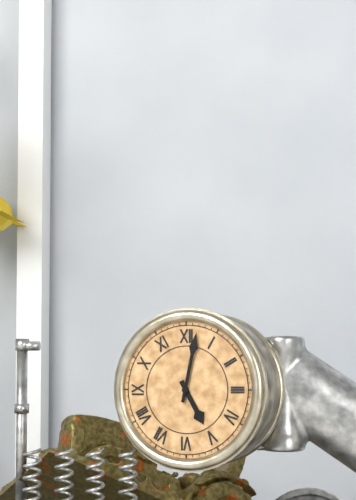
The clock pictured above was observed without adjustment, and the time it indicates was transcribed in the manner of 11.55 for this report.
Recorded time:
5.02
